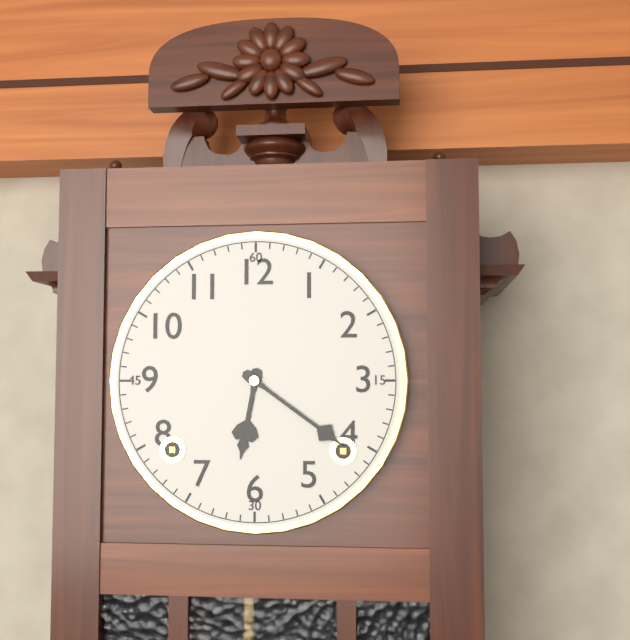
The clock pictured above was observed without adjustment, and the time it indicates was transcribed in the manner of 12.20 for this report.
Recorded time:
6.21
